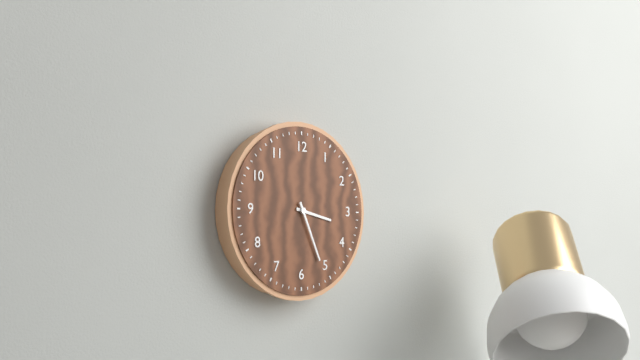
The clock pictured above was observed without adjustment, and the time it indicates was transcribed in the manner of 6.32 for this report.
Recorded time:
3.26
